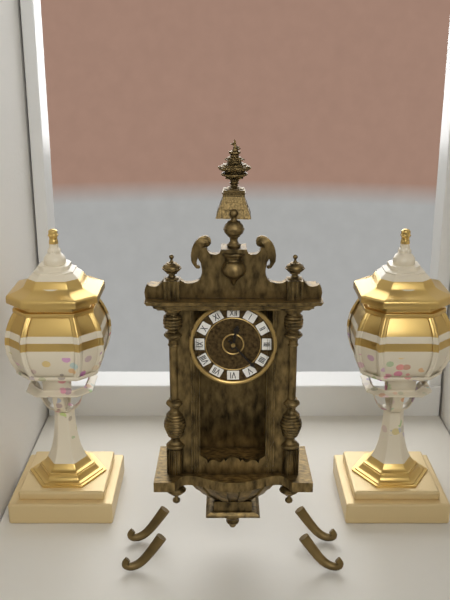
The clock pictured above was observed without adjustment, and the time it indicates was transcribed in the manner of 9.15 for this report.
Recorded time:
12.23
